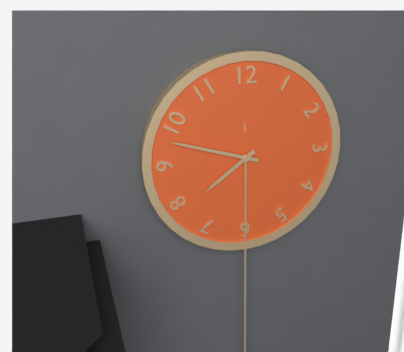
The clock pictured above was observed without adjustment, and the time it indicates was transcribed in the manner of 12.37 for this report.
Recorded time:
7.48
